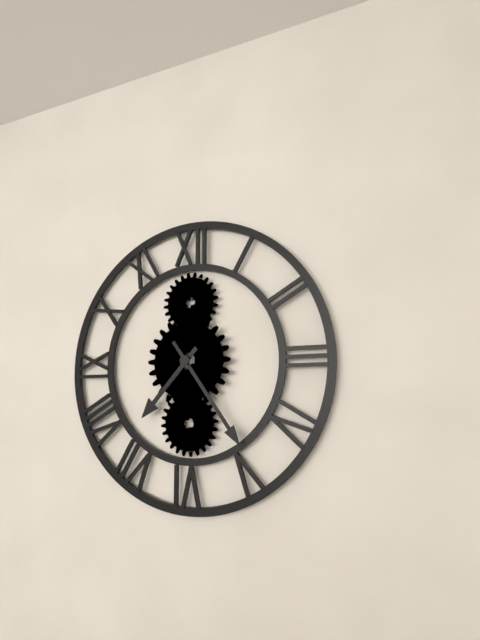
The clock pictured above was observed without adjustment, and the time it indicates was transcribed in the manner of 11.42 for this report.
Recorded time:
7.24
